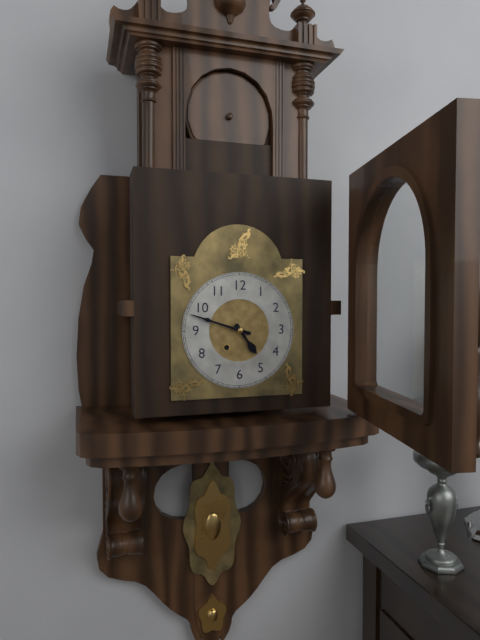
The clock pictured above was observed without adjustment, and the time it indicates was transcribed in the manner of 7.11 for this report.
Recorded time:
4.48
